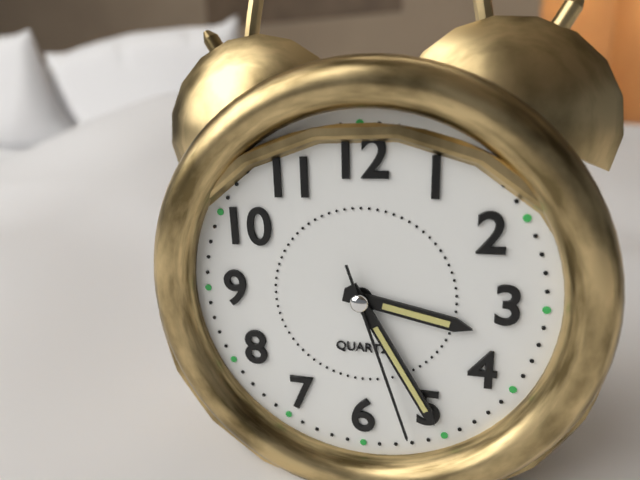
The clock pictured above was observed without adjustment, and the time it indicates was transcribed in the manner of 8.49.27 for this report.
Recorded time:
3.25.27
